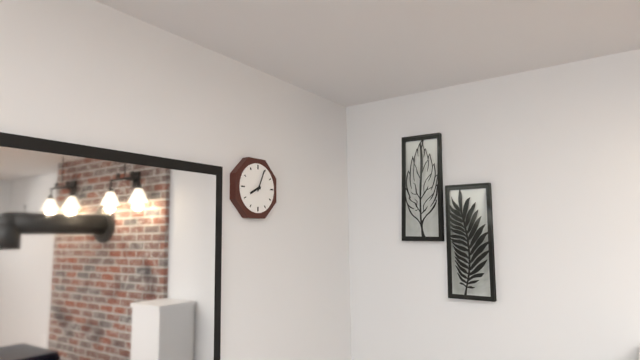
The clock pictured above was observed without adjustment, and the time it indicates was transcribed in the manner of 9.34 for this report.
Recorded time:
8.04
